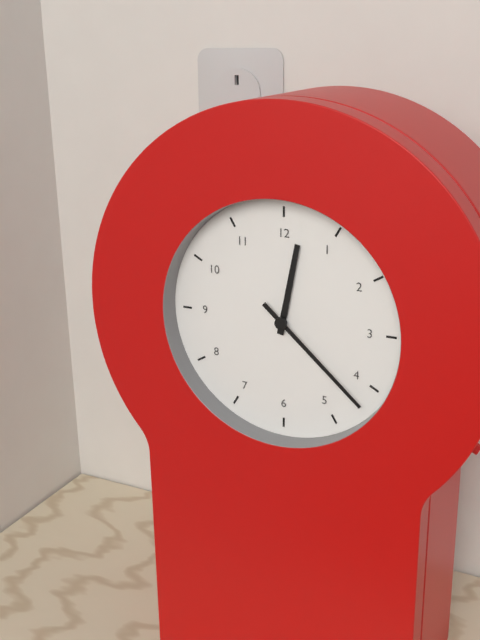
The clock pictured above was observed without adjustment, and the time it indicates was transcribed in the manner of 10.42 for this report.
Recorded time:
12.22
